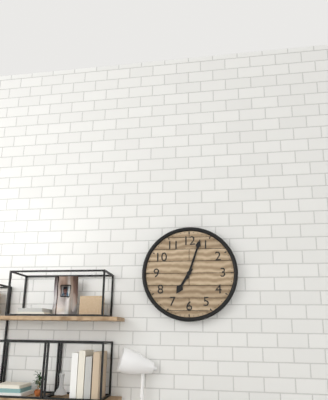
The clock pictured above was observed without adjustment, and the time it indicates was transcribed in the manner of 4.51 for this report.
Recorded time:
7.03
